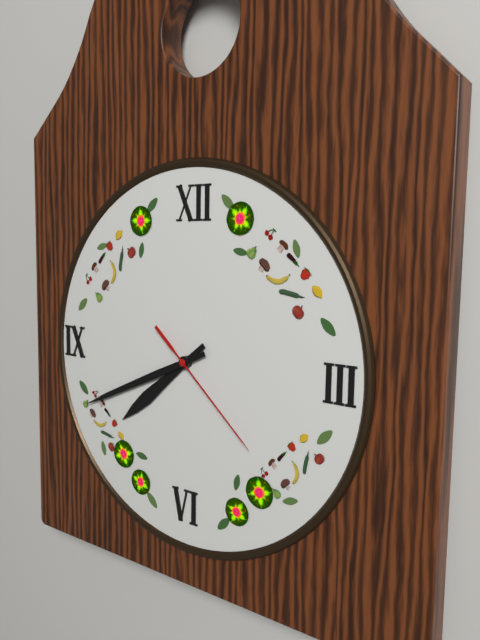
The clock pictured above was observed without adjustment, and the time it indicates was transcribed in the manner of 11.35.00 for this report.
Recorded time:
7.41.22
